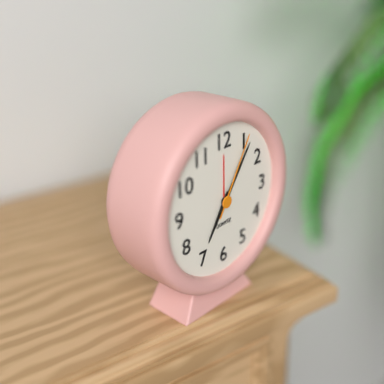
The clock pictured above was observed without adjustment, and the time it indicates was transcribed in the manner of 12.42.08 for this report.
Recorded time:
7.06.05
